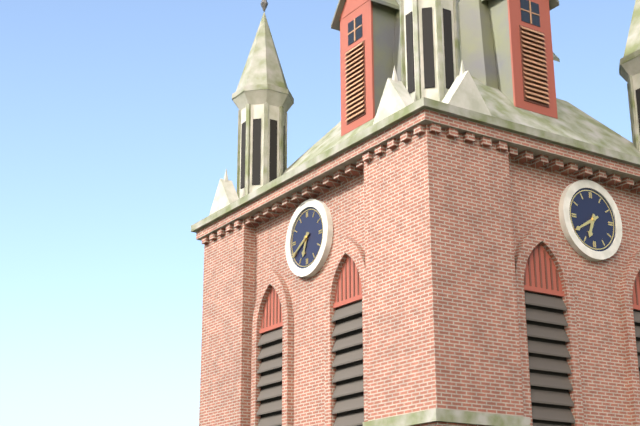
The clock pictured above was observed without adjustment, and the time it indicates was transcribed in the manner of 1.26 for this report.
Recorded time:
6.40
